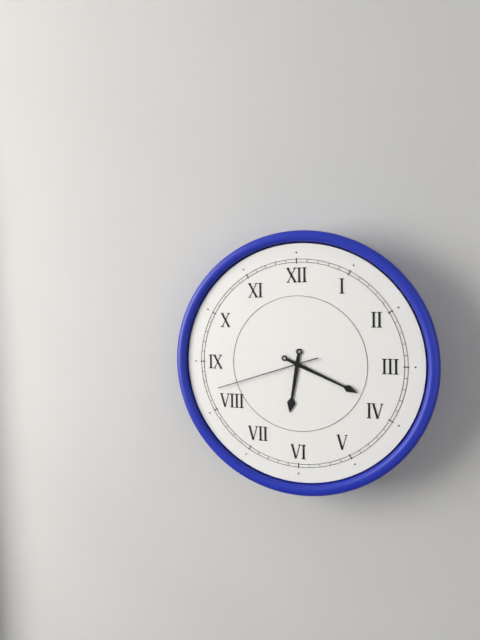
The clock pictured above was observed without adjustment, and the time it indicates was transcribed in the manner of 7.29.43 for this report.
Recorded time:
6.19.42
